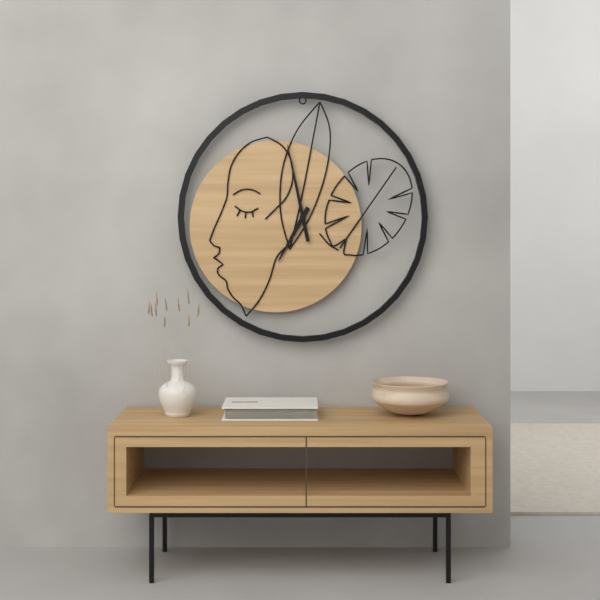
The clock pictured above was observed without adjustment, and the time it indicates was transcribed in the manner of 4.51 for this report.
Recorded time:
6.58
